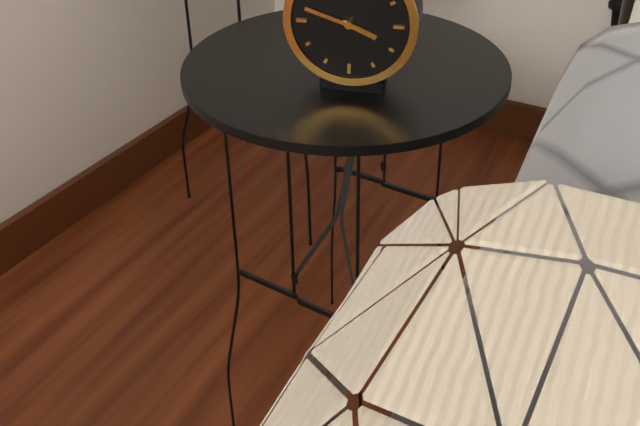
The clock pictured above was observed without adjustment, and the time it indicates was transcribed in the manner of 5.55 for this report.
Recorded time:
3.48
